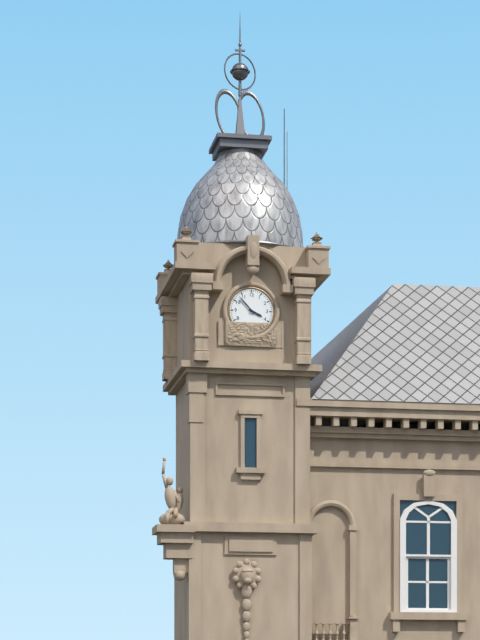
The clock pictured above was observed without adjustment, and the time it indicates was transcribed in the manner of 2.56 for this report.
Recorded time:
3.53
